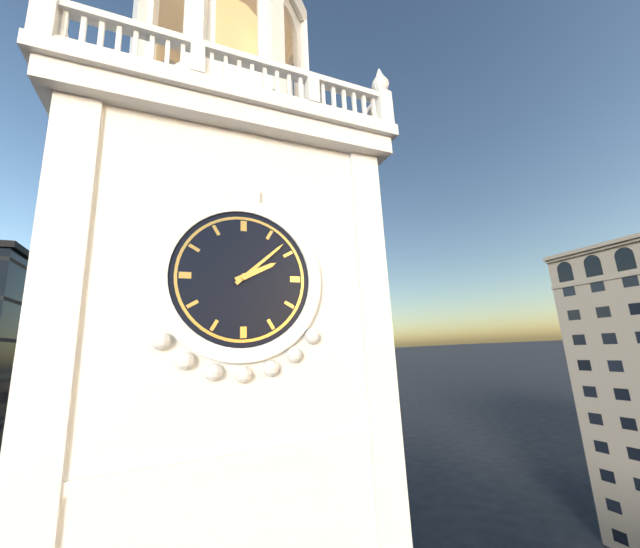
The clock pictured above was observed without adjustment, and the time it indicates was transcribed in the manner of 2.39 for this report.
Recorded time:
2.08
